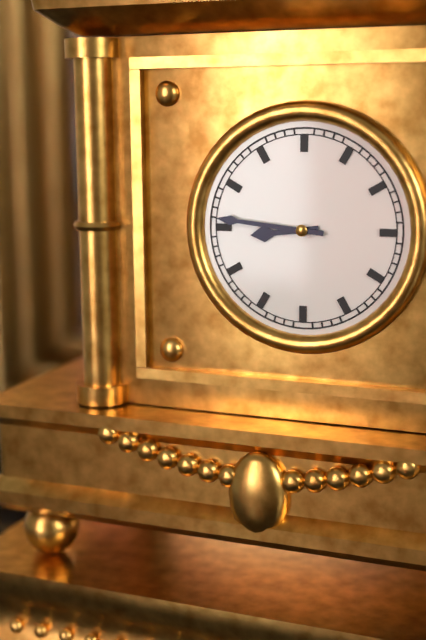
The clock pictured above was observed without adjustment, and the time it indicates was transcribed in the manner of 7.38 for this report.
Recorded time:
8.46
